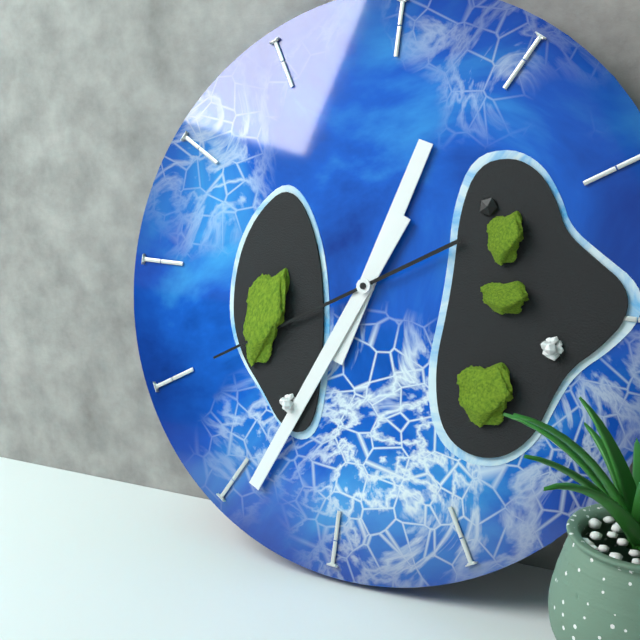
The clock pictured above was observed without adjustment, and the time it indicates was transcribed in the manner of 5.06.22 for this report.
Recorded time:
12.34.40
